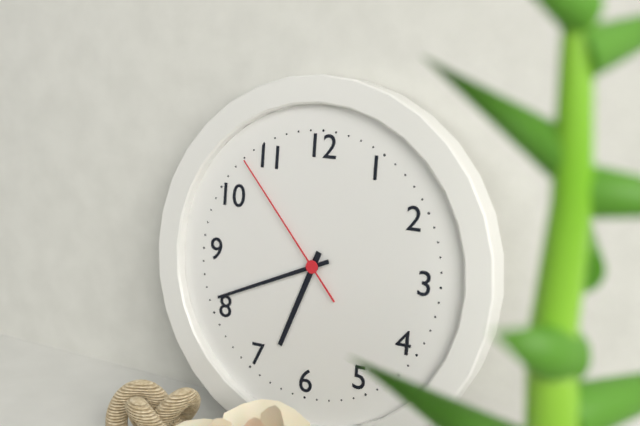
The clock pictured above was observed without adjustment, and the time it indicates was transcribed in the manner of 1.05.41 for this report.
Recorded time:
6.41.53
